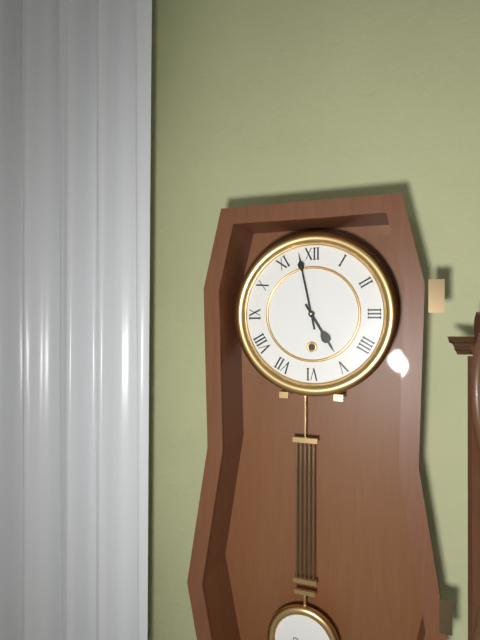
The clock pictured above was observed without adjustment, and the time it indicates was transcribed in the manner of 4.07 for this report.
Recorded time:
4.58
